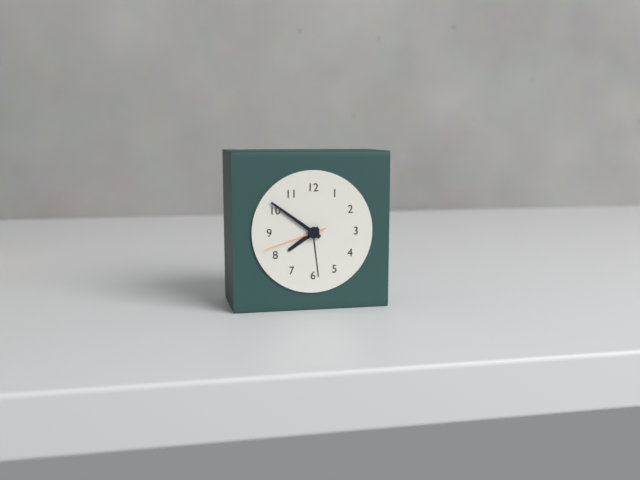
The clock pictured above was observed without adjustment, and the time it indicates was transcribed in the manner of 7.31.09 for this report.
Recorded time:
7.51.42
